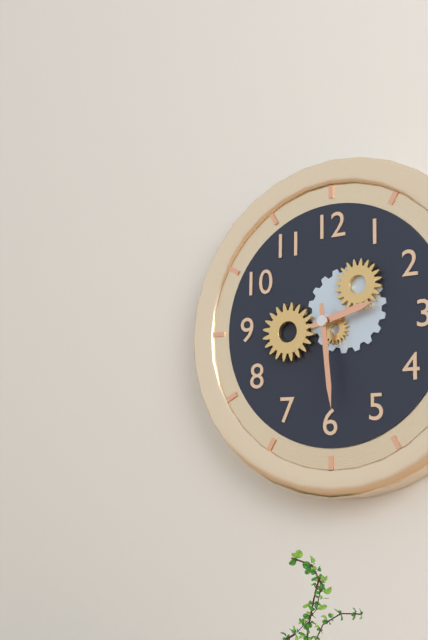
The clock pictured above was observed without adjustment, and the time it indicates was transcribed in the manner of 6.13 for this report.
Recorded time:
2.29
